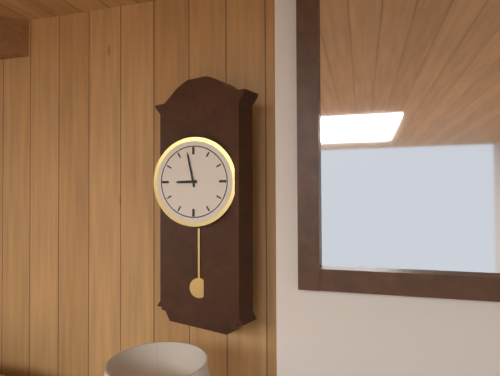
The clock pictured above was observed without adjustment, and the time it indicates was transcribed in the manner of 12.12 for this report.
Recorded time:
8.58
